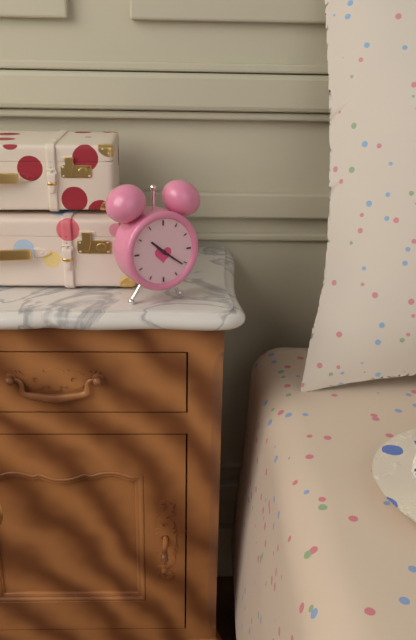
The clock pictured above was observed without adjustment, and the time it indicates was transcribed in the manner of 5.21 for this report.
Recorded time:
10.21
